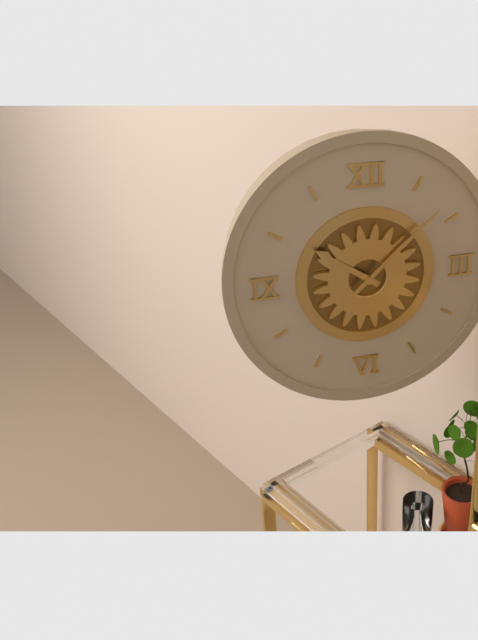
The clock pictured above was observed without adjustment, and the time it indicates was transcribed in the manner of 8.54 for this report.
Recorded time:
10.08
